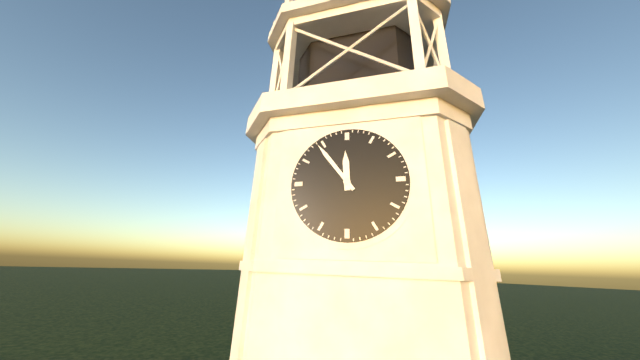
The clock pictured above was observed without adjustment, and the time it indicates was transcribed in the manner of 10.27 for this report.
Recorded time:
11.54
